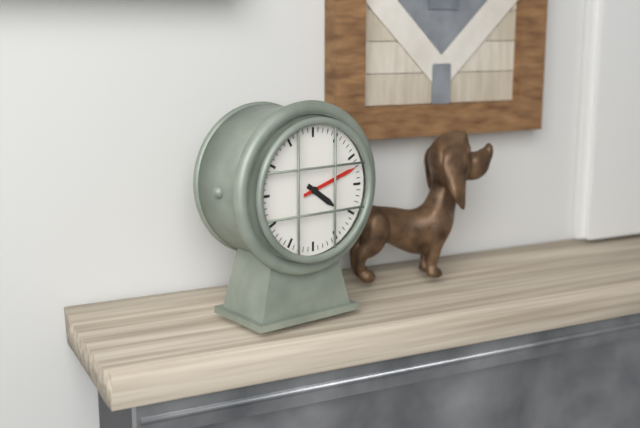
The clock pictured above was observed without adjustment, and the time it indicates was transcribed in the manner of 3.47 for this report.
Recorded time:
4.12
